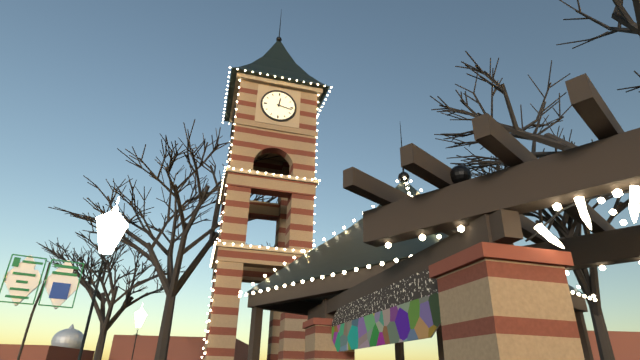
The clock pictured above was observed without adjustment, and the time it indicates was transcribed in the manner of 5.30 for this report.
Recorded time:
12.17
